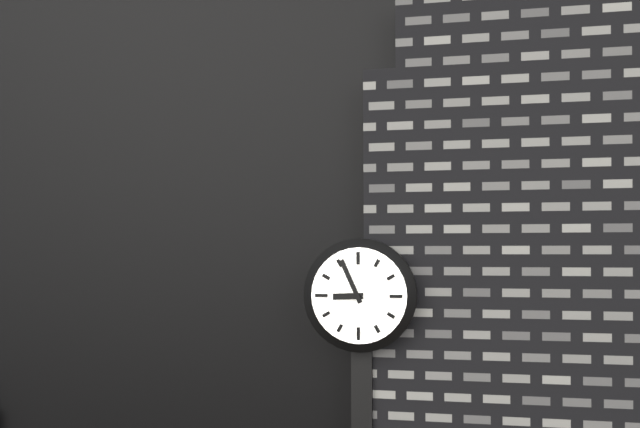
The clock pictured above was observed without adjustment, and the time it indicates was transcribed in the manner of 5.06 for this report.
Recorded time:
8.56
